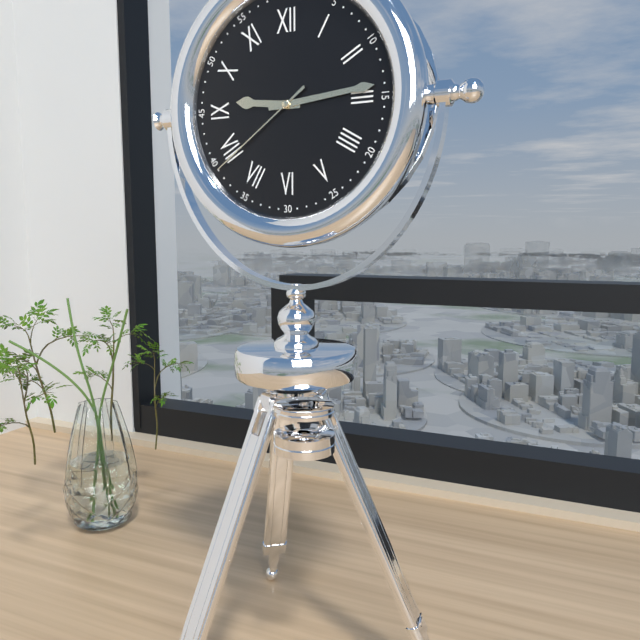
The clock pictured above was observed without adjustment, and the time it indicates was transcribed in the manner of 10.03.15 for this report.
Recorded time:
9.14.39
